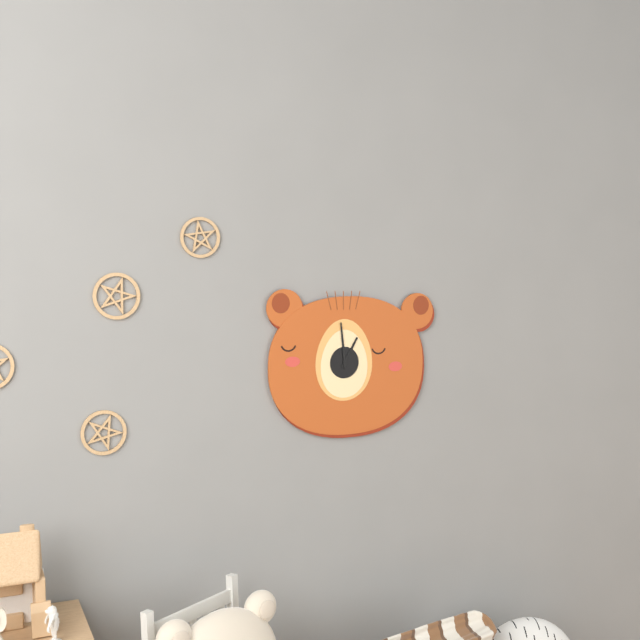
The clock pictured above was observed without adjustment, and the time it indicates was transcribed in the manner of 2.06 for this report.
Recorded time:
12.59
